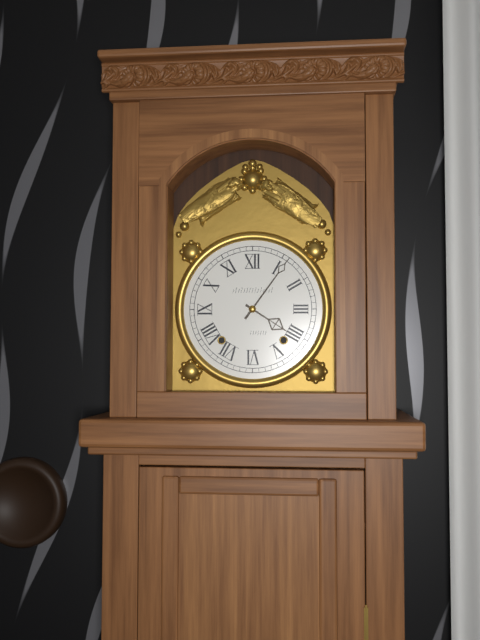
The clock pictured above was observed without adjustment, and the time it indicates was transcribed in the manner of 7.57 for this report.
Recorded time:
4.06
